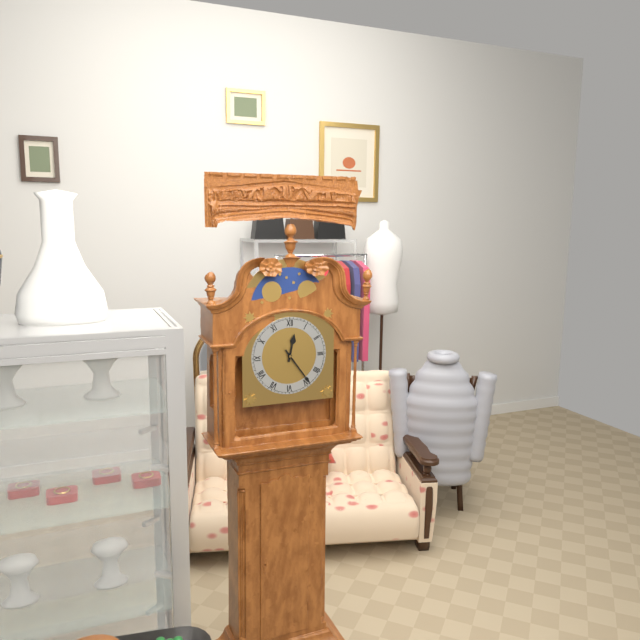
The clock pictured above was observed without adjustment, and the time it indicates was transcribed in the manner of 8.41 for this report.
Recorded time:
12.24
